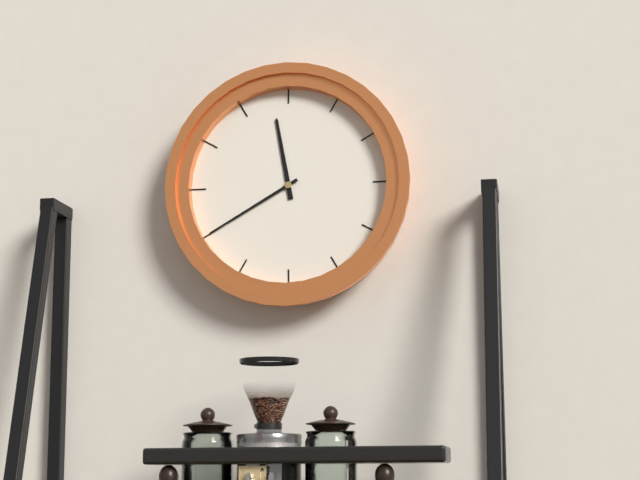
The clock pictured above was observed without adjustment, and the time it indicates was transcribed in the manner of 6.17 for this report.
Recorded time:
11.40
